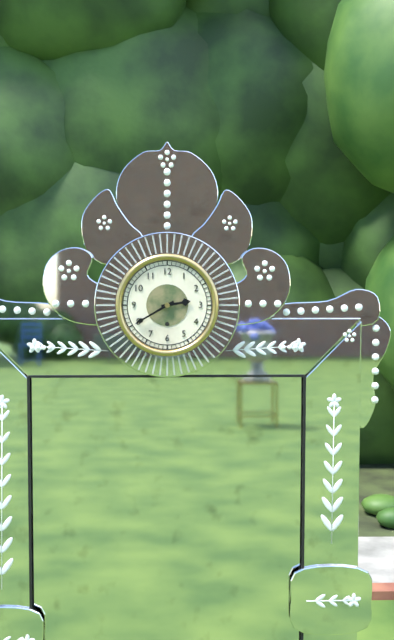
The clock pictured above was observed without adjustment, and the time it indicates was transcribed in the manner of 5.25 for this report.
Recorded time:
2.40
